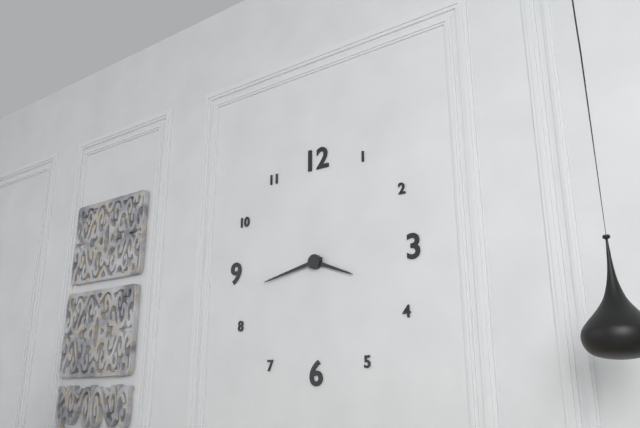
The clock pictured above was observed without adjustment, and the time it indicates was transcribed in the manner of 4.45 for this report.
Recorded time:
3.43
